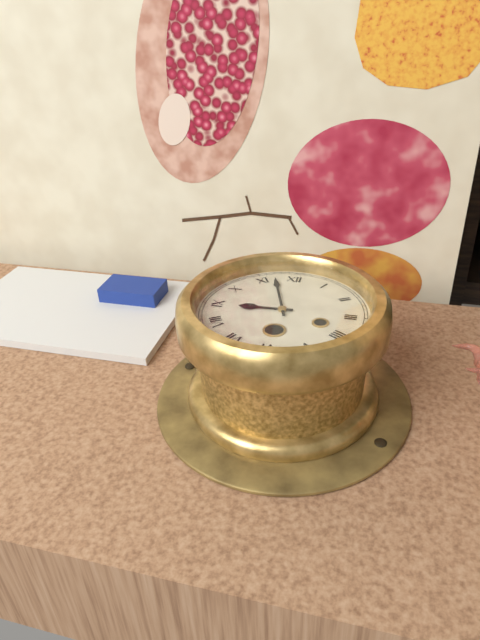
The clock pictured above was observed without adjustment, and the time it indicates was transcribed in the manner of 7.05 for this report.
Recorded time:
8.57
